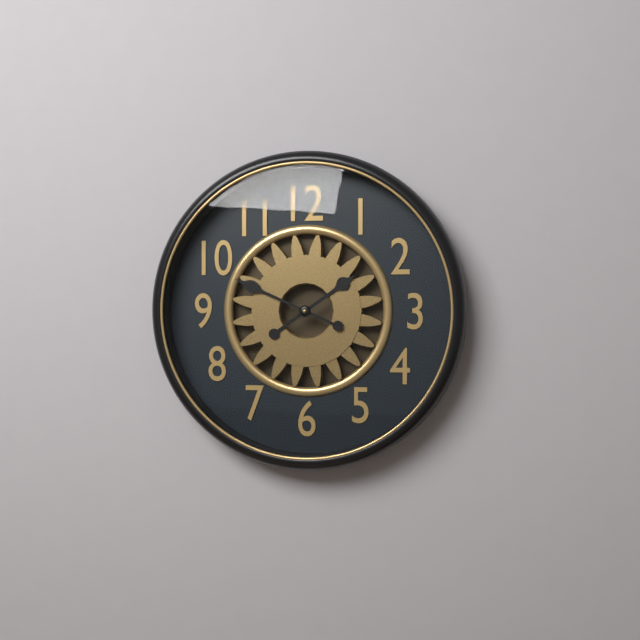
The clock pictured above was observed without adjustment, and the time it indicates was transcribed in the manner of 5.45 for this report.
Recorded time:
1.49
